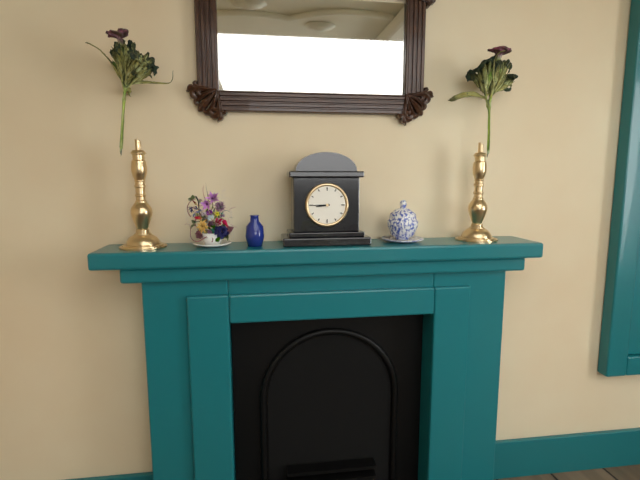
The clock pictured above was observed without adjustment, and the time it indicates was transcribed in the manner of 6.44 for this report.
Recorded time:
8.45
